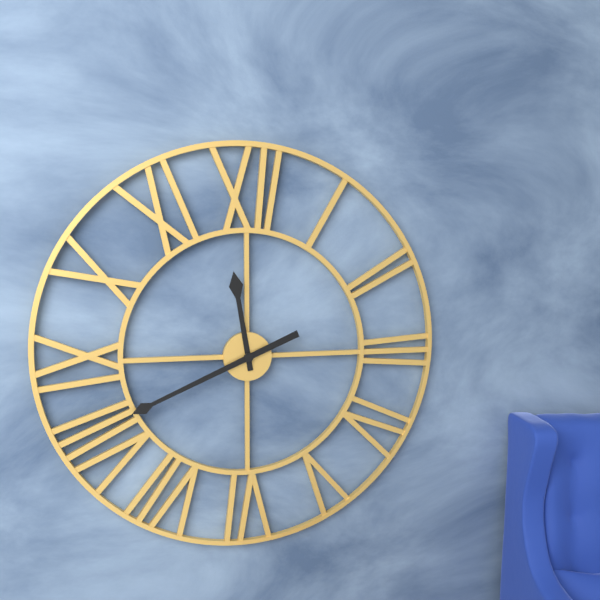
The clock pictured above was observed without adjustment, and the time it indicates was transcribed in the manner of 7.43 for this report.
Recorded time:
11.41
